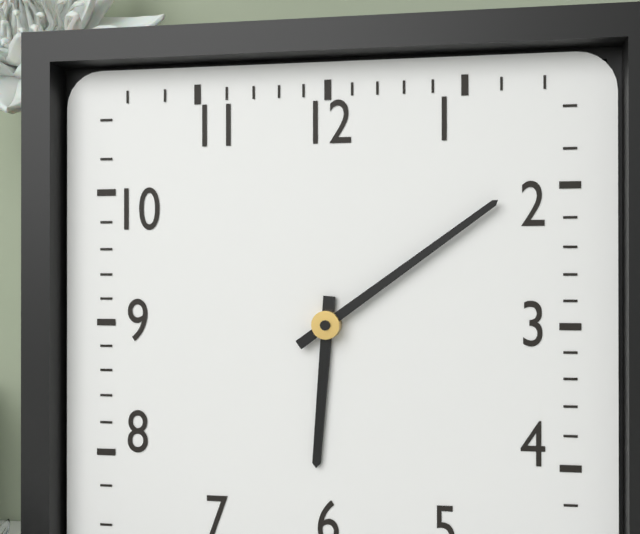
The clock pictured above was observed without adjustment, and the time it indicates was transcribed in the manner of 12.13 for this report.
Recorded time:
6.09
